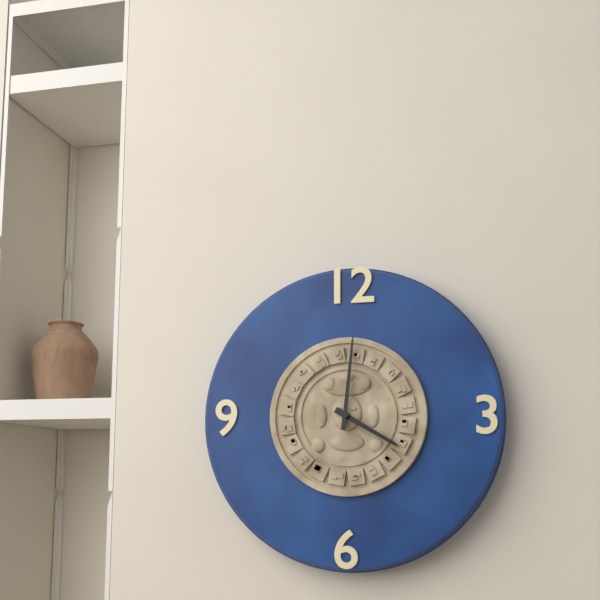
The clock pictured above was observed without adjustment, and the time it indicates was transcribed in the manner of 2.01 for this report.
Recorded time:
4.01
